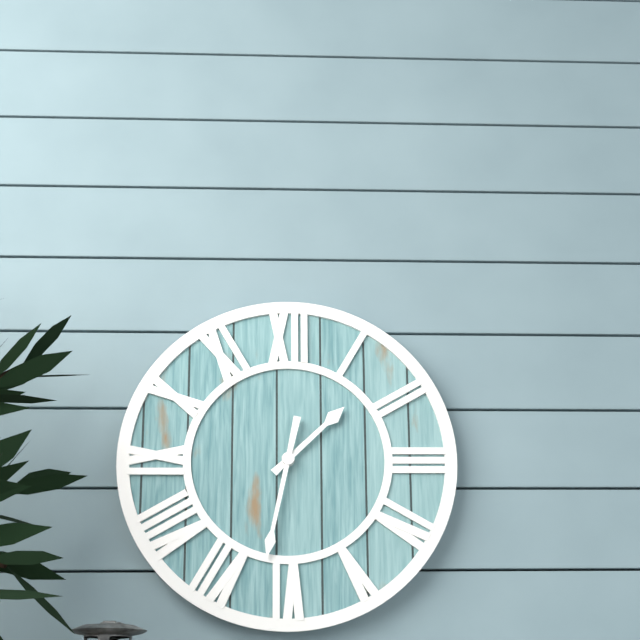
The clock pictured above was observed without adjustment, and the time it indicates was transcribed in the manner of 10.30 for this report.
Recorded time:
1.32
